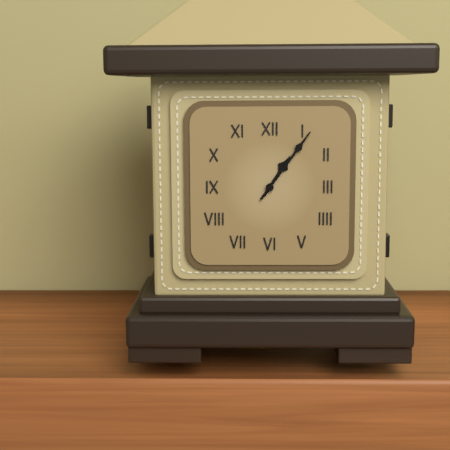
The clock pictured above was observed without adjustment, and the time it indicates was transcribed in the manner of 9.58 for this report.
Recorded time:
1.06
